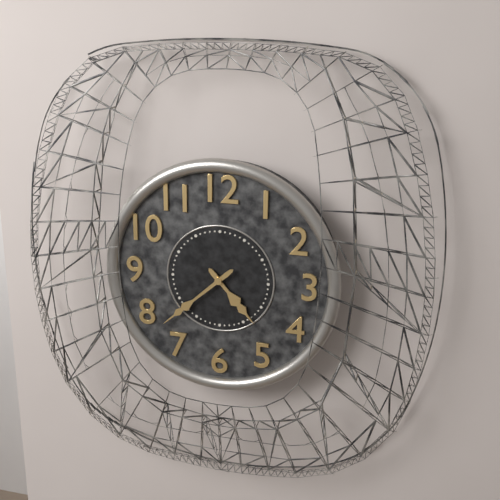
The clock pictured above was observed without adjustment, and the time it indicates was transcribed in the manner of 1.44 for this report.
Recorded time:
4.38
